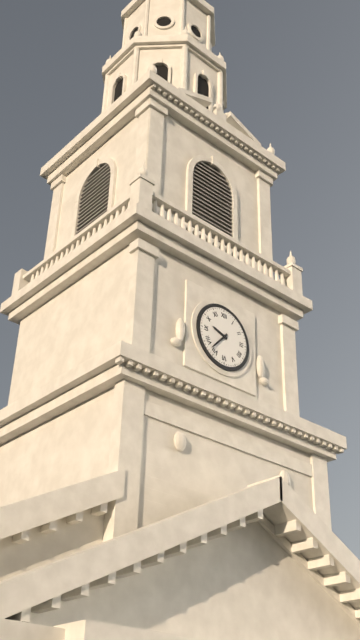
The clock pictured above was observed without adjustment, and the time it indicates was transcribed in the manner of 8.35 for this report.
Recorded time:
9.37
